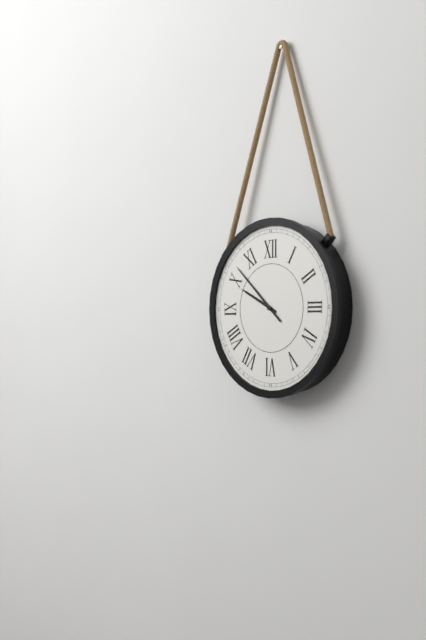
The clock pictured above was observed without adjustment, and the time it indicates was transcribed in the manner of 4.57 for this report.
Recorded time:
9.52
